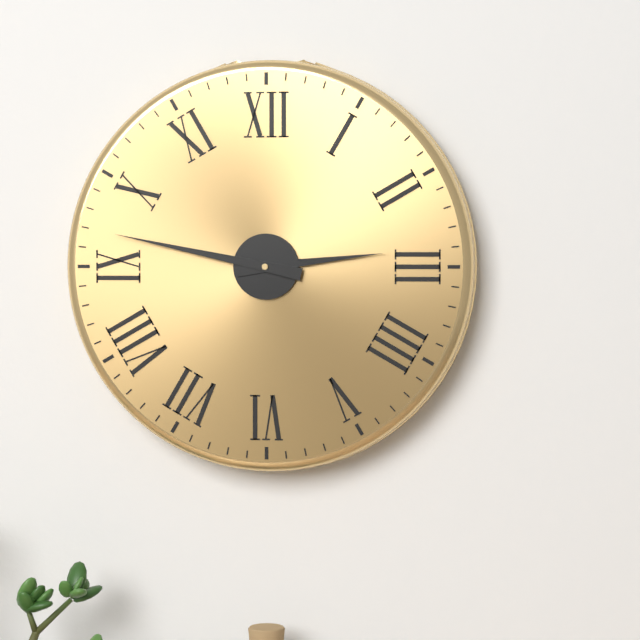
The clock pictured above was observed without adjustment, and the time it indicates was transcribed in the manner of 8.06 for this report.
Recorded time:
2.47
